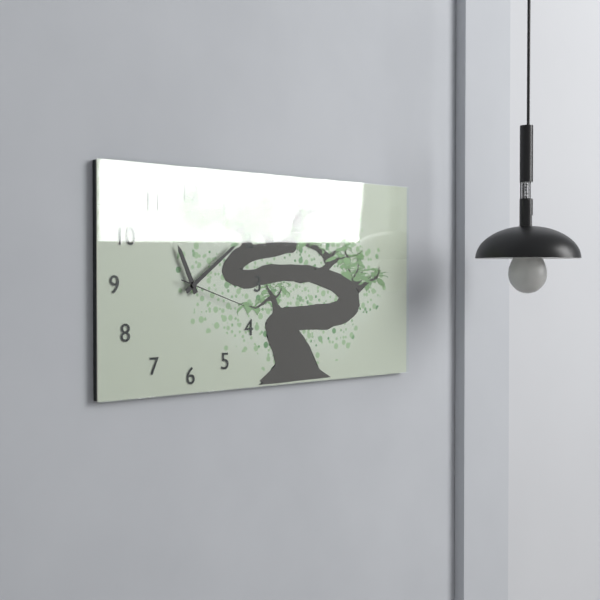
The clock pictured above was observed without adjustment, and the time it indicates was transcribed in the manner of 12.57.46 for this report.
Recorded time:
11.09.18
